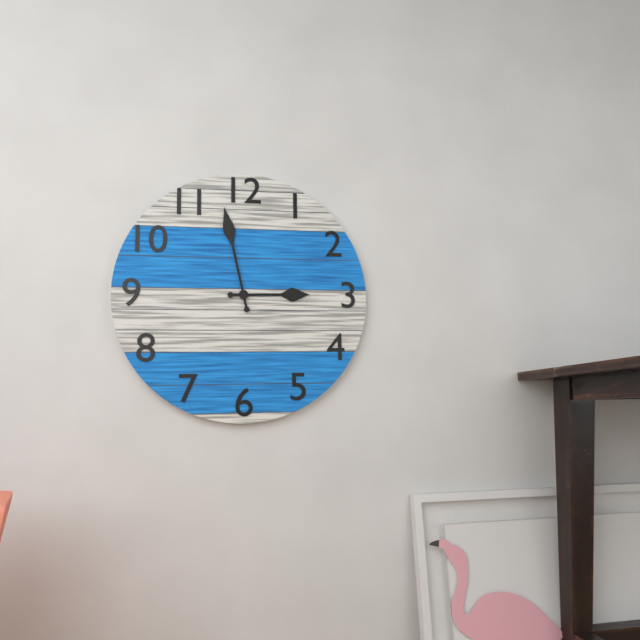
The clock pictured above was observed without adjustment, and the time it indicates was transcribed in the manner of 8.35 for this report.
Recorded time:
2.58
